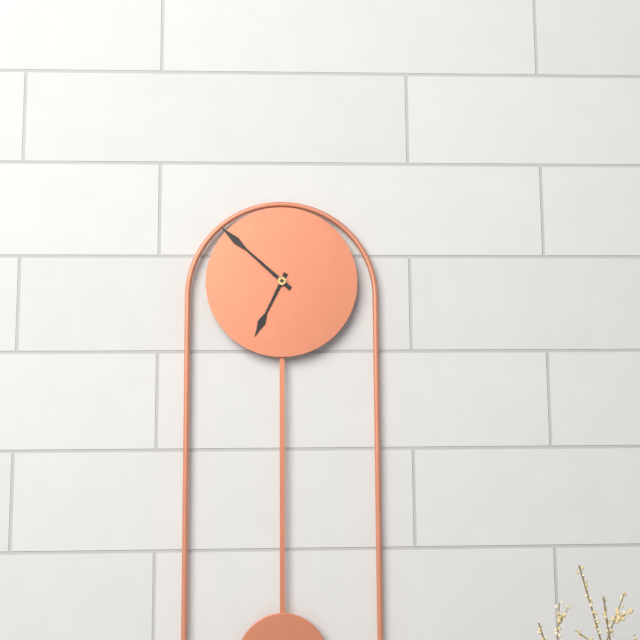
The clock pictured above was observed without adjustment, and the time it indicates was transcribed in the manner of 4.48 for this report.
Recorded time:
6.52
